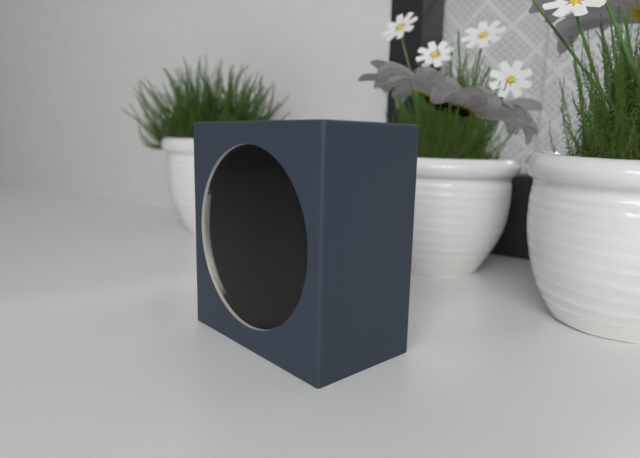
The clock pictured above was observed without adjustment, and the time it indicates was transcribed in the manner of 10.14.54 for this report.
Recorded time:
12.11.18
